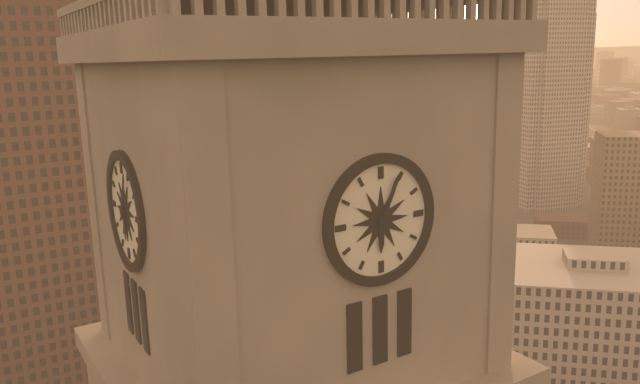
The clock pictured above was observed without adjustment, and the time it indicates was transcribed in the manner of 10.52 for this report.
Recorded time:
6.04
